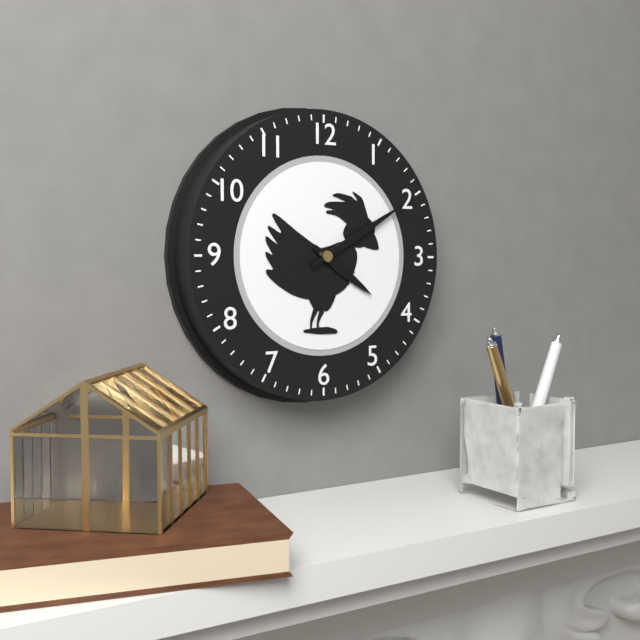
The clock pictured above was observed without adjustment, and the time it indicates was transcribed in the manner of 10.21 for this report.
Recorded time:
4.10
